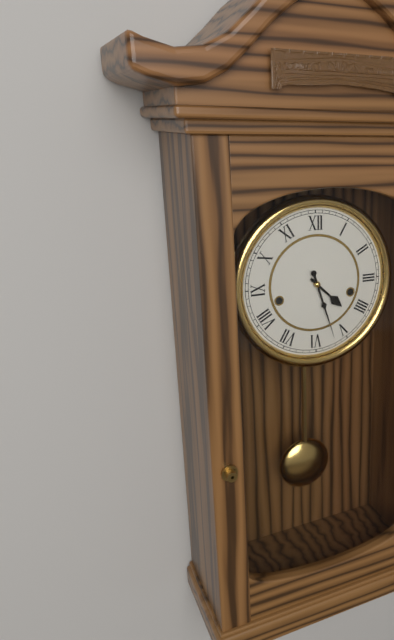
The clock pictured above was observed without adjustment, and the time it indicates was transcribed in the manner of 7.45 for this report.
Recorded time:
4.27
